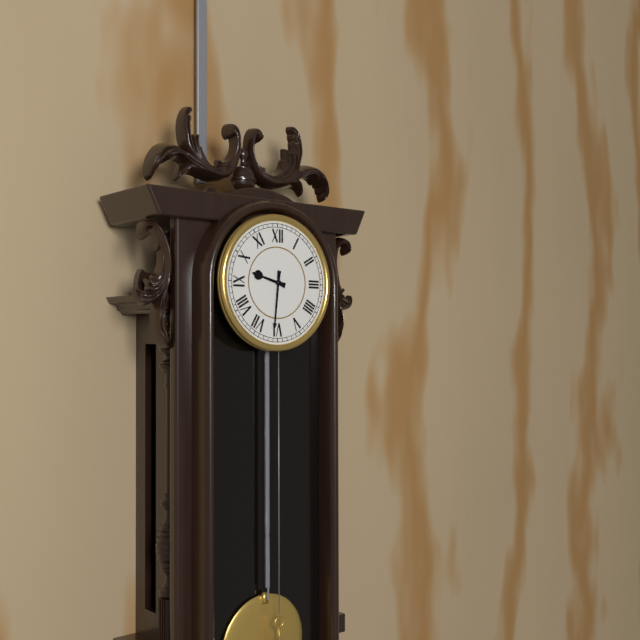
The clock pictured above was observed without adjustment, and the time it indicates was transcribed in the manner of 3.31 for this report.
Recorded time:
9.31
